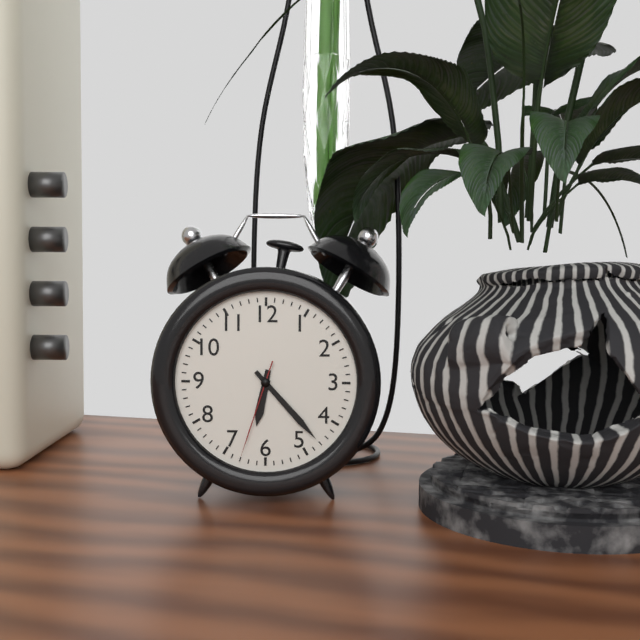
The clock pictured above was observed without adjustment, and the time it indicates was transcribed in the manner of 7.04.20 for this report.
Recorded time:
6.23.33
